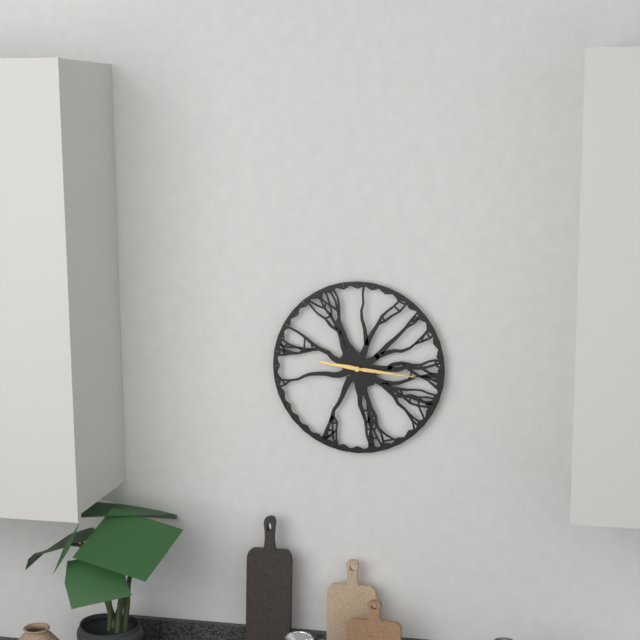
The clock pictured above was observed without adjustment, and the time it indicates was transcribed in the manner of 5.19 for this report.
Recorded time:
9.16
